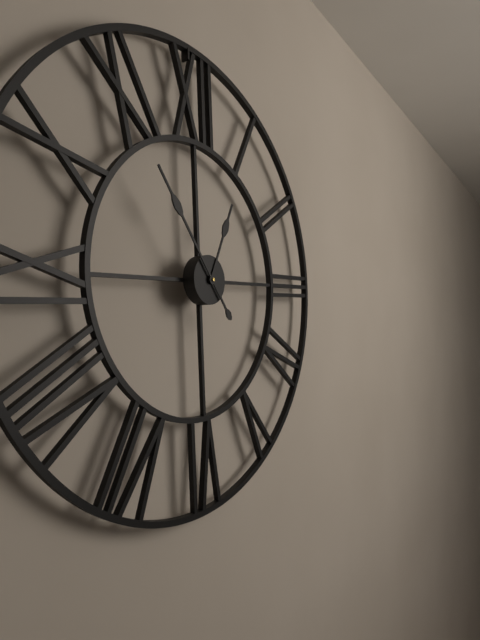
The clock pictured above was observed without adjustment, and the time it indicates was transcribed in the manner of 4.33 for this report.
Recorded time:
12.54
